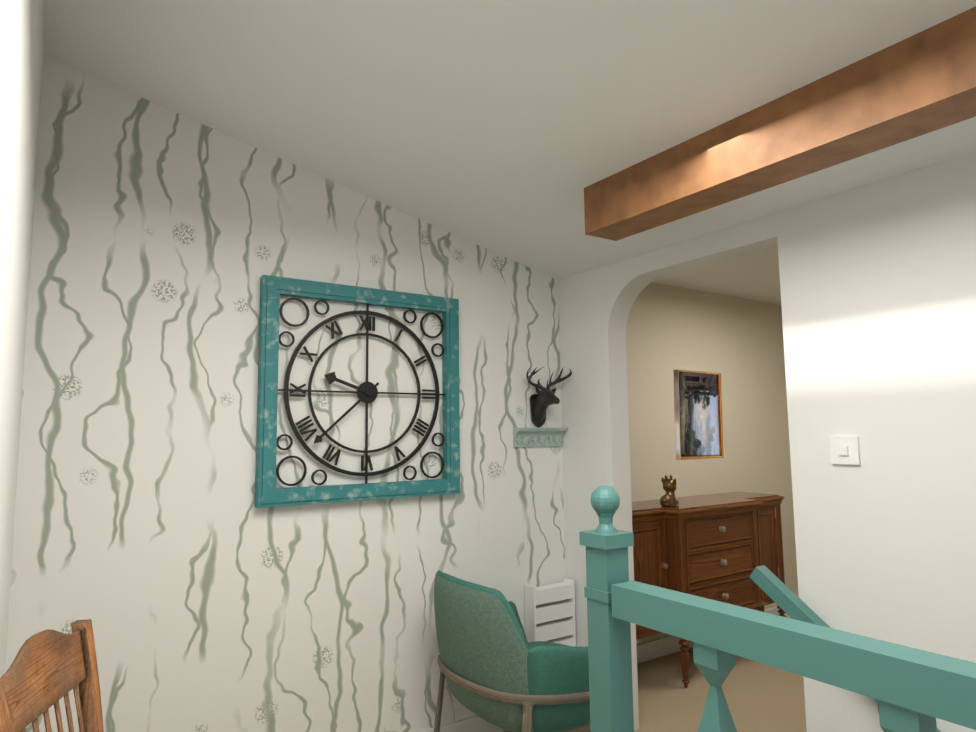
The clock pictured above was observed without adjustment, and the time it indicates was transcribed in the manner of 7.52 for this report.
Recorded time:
9.38
